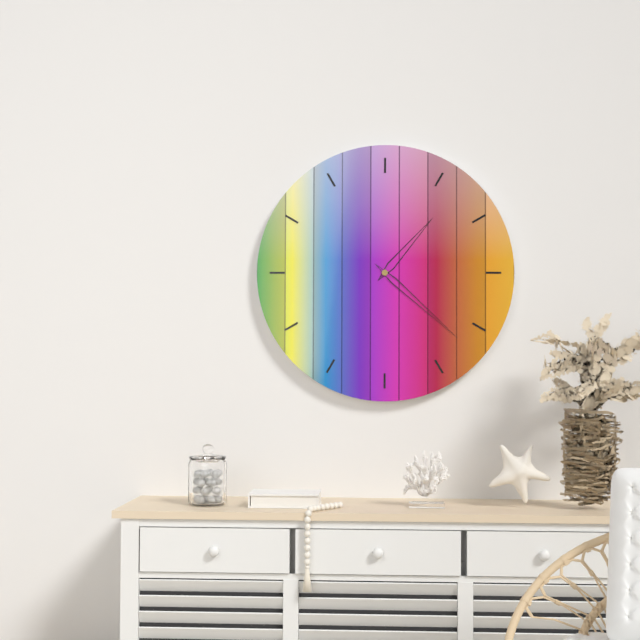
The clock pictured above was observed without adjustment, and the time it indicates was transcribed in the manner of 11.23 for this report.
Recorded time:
1.22
